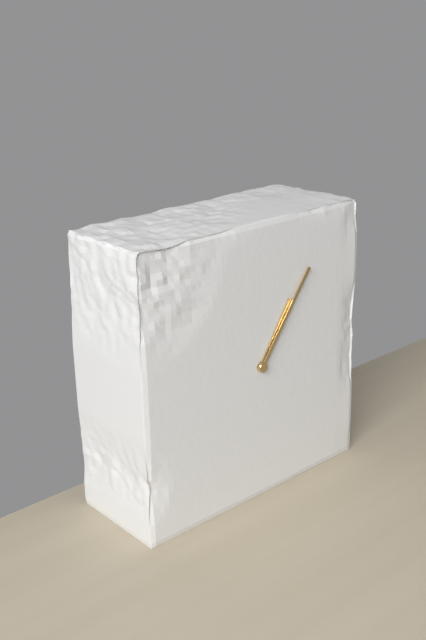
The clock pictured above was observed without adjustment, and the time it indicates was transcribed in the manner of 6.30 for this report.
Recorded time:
1.06
